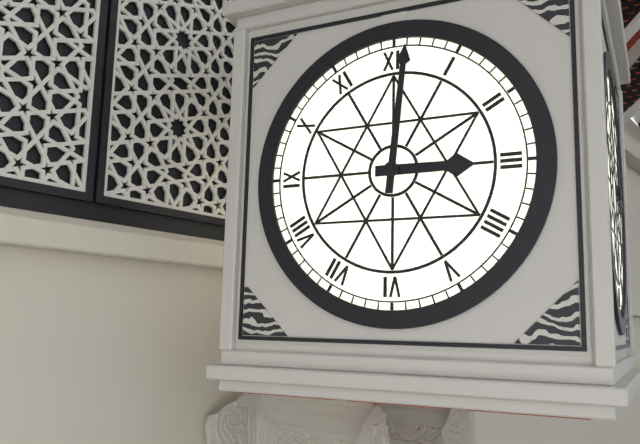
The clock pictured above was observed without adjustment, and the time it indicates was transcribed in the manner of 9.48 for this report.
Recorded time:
3.01
